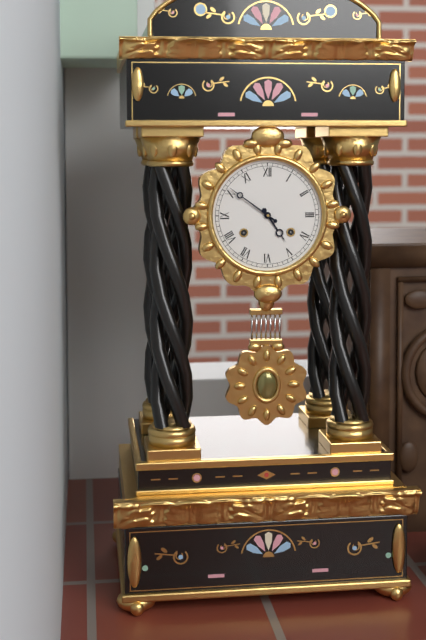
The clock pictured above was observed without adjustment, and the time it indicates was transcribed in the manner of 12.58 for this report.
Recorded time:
4.51
